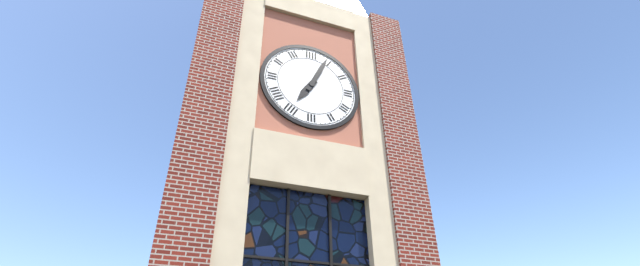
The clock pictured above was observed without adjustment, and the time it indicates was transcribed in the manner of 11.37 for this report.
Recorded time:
7.04
